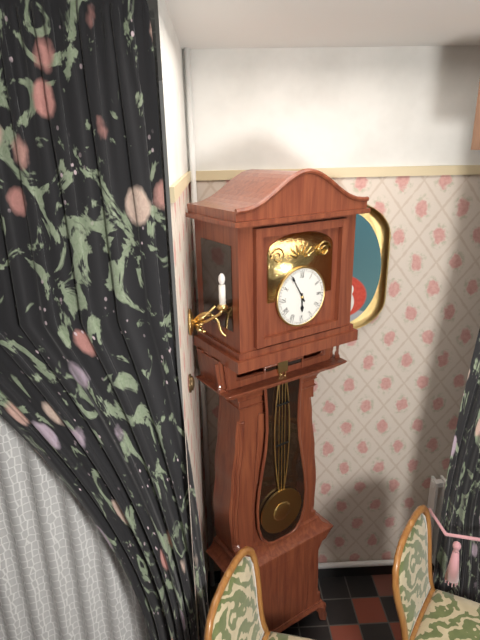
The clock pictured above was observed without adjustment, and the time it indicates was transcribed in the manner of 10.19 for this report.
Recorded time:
5.55
